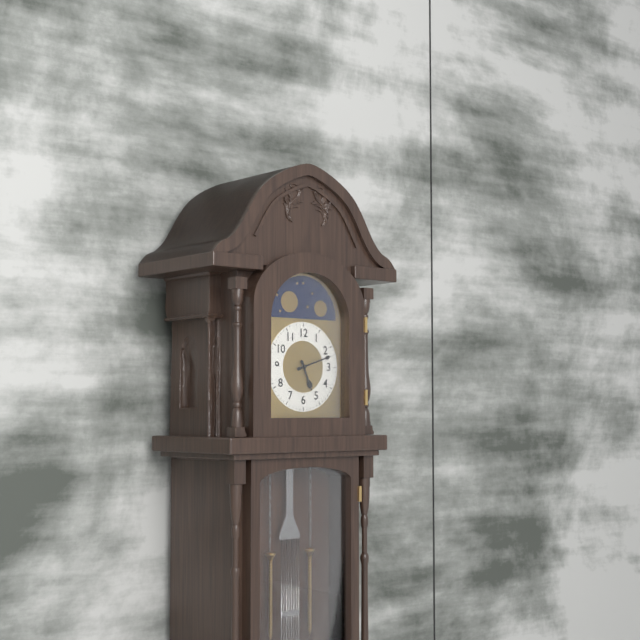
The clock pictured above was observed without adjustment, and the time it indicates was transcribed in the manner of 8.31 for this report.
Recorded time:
5.12
